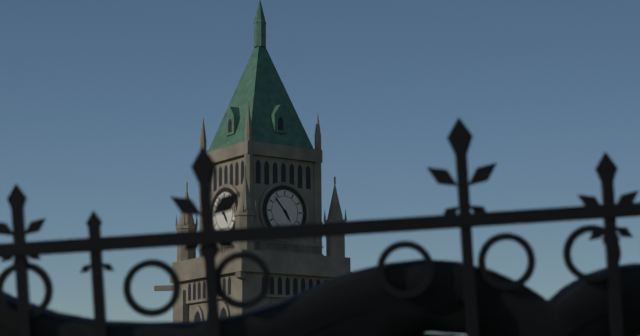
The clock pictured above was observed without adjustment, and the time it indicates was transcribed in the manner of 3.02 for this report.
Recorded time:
4.53
